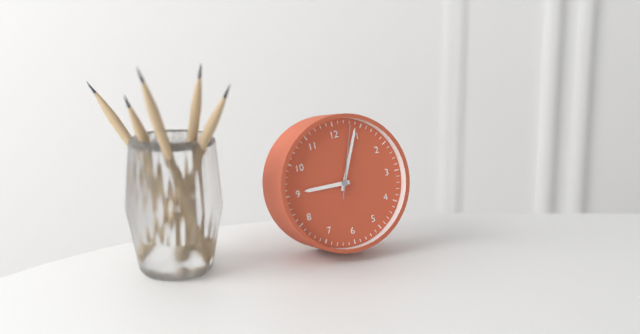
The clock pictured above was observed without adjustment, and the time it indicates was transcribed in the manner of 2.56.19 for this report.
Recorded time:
9.04.03
